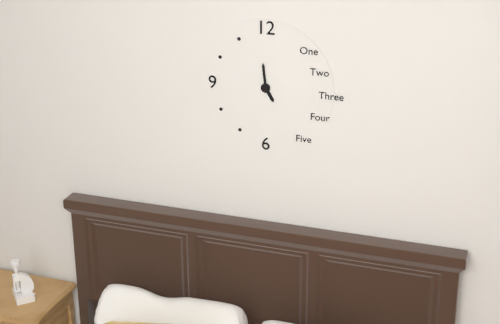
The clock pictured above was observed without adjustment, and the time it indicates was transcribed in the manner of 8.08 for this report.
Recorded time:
4.59
